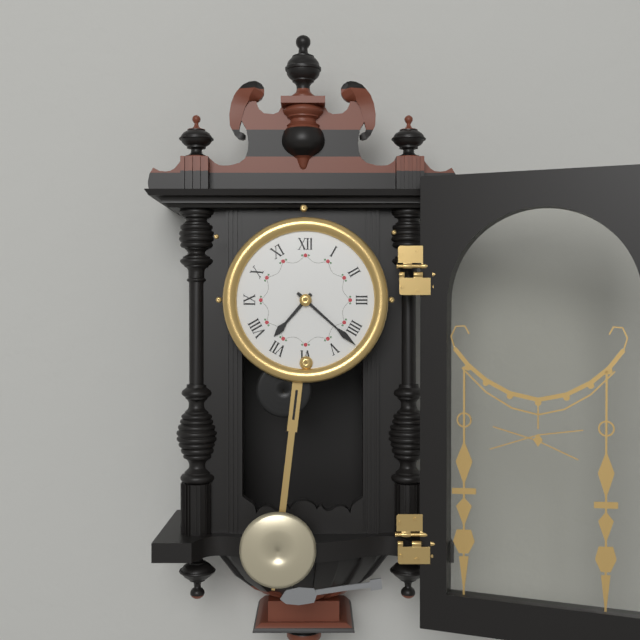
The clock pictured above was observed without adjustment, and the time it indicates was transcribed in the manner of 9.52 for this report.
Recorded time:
7.22
